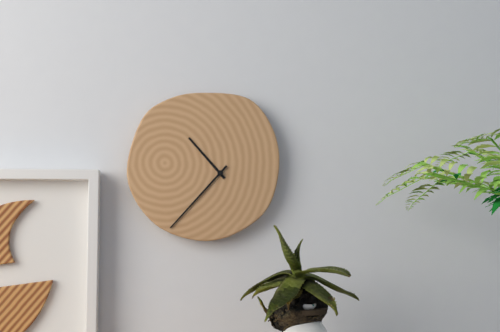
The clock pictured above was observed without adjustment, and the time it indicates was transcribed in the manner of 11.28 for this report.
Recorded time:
10.37
